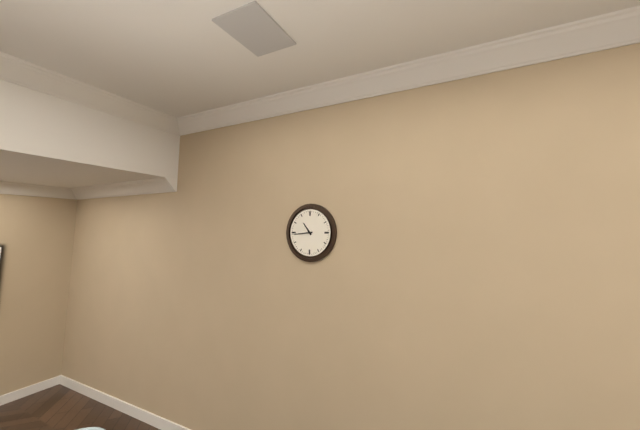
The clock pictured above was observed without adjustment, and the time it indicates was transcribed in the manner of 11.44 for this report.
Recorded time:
10.44
